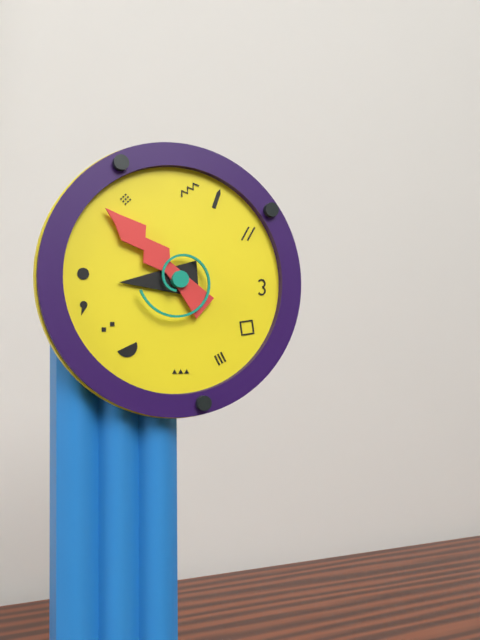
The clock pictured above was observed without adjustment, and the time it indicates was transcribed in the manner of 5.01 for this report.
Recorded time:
8.52
